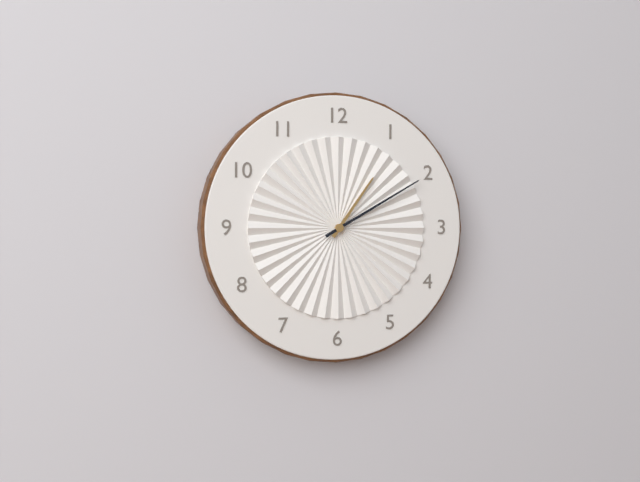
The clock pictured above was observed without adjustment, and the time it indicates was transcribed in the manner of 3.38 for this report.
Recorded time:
1.10
